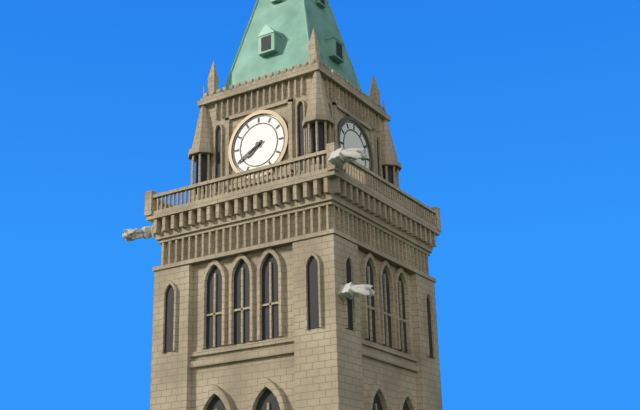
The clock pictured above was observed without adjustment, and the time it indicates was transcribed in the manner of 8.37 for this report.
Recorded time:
7.40
